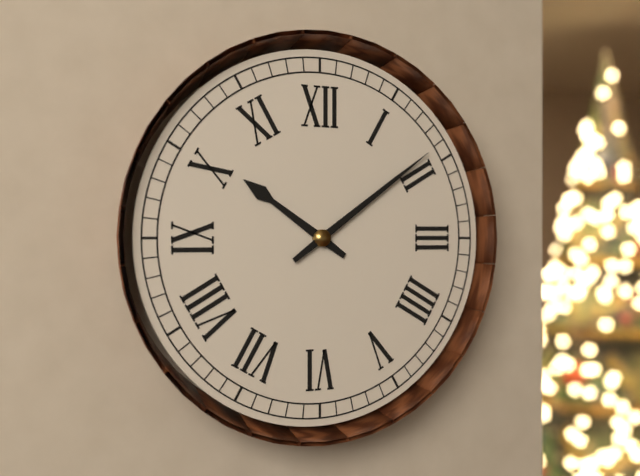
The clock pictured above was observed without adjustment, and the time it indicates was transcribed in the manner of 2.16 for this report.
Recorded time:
10.09
